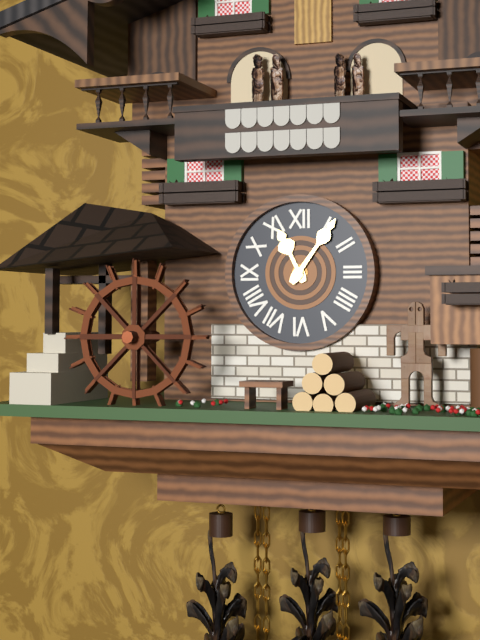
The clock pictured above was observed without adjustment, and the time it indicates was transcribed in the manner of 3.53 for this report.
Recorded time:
11.06
